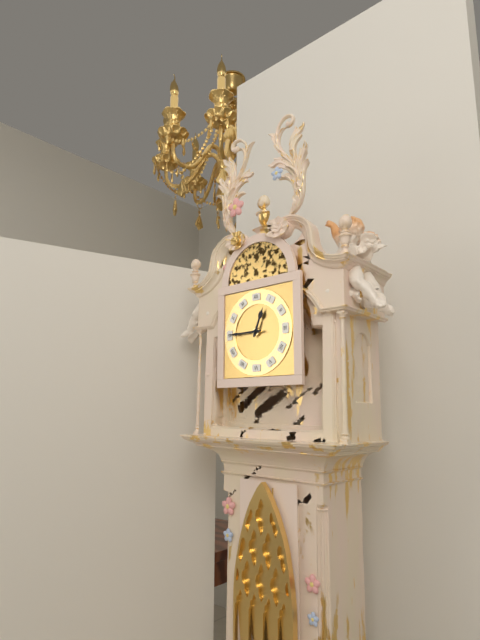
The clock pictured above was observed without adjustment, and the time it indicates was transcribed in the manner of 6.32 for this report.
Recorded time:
12.45
